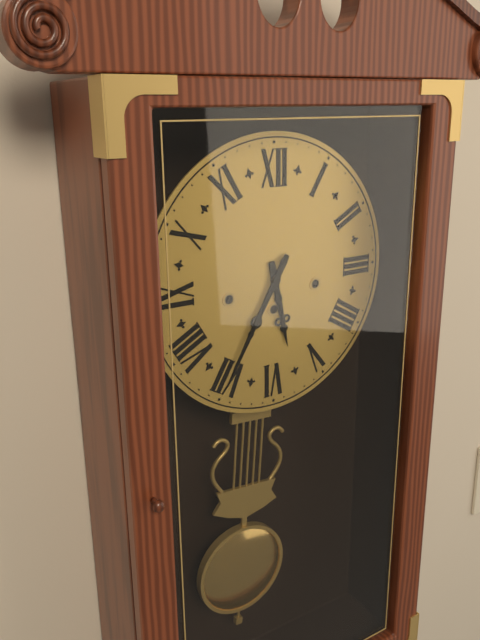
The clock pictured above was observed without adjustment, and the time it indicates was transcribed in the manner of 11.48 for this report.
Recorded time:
5.35
